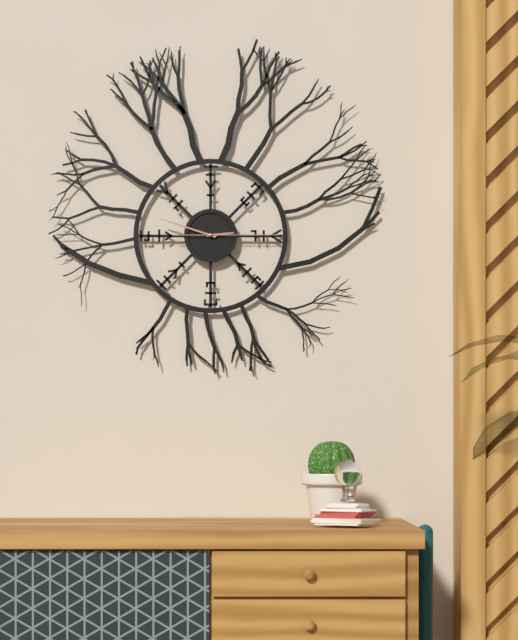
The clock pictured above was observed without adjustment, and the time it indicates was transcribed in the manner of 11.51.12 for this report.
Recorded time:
2.48.15
